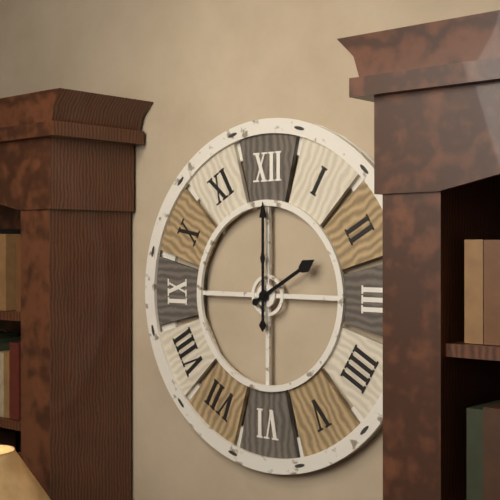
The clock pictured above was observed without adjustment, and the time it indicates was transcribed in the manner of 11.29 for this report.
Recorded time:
2.00
